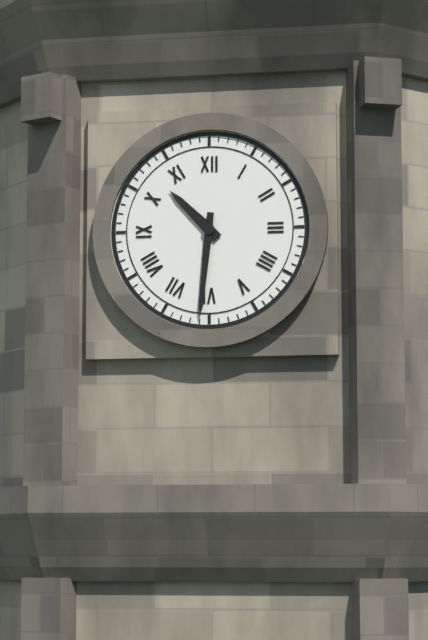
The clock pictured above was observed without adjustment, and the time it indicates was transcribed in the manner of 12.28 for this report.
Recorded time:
10.31
